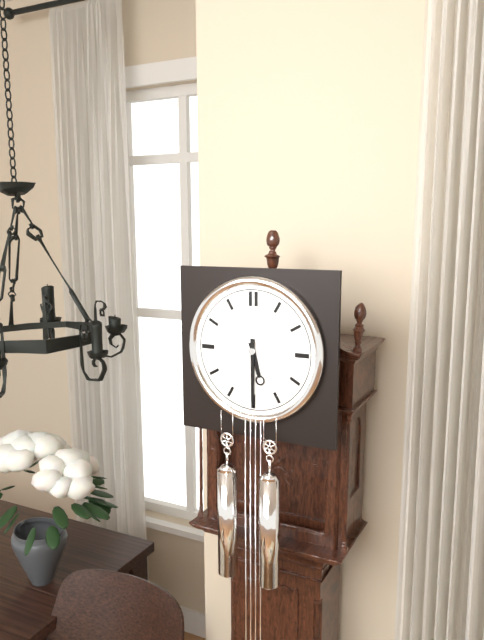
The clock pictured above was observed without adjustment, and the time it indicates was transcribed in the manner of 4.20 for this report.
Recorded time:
5.30
